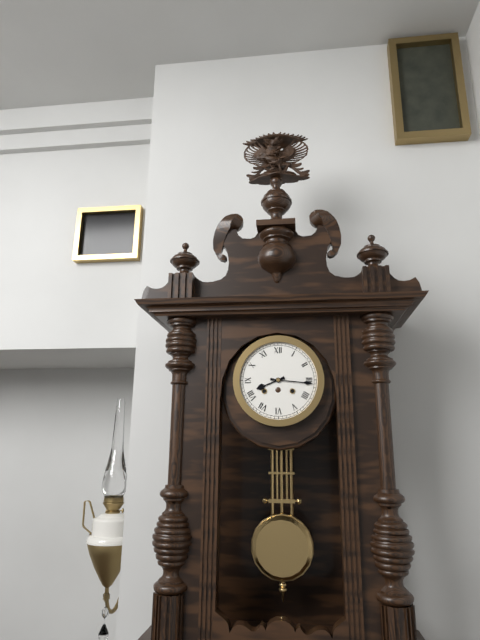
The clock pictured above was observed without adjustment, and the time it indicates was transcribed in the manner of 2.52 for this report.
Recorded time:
8.16
